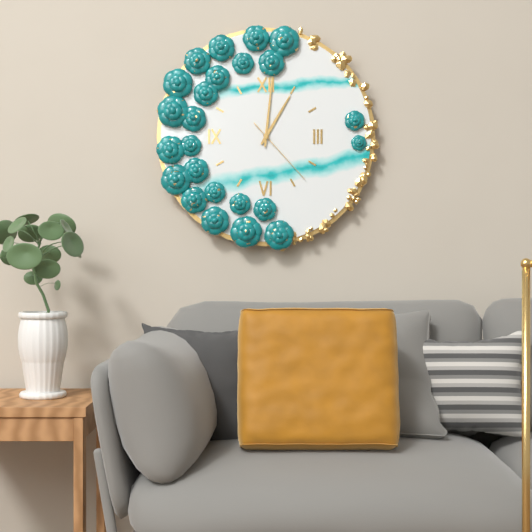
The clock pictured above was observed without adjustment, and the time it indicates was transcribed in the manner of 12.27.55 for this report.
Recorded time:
1.01.23
